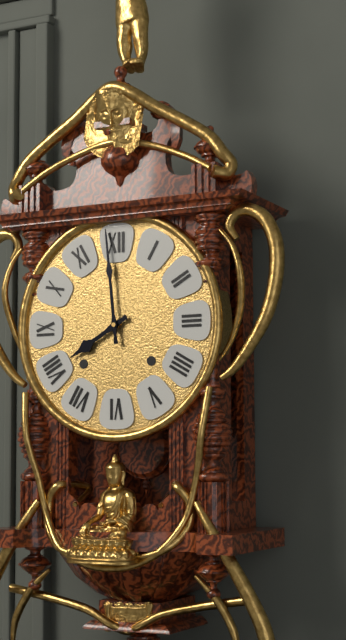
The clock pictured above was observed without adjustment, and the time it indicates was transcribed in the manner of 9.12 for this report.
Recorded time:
7.59
